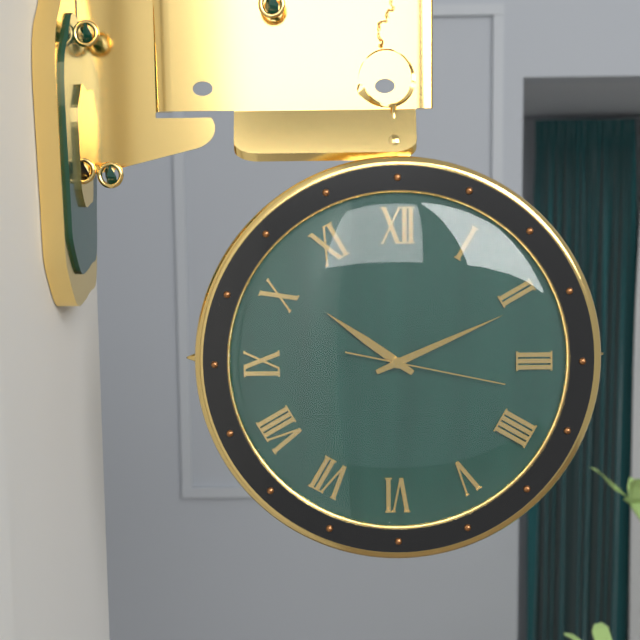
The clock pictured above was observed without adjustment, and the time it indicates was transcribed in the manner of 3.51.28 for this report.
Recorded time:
10.11.17
